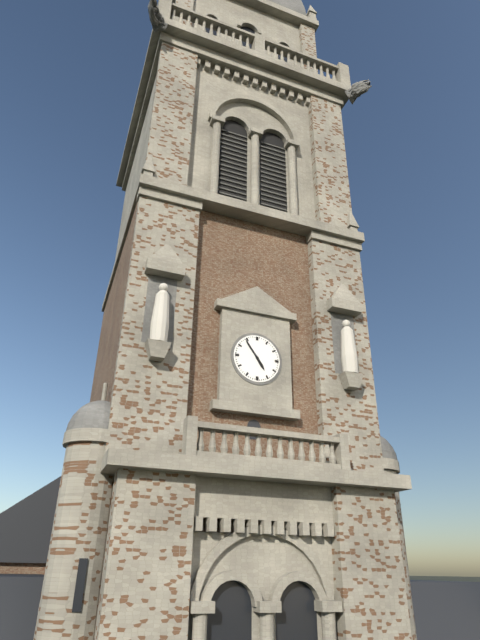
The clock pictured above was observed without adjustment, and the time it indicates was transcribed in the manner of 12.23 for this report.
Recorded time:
4.54
